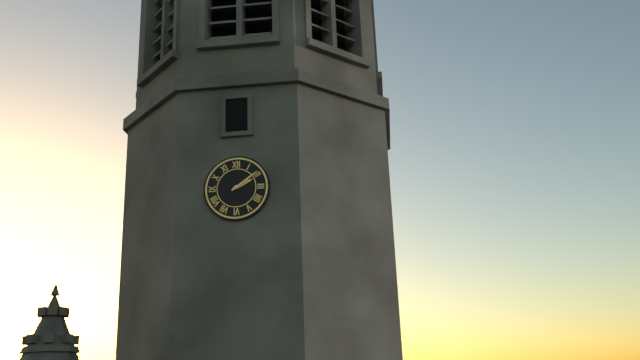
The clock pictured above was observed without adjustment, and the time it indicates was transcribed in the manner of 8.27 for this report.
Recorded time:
2.09
